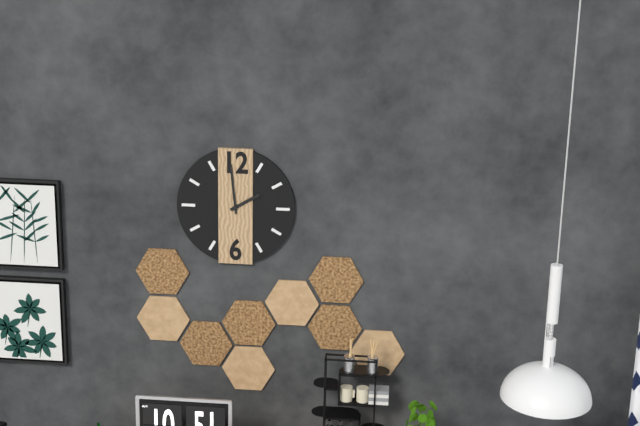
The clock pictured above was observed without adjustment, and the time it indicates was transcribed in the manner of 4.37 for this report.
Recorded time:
1.59
